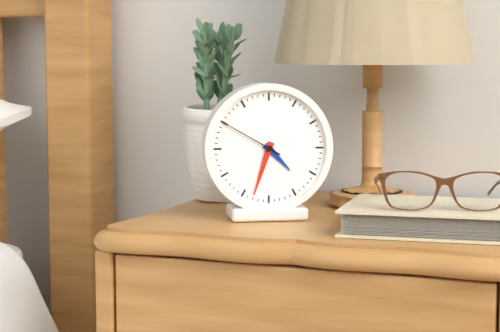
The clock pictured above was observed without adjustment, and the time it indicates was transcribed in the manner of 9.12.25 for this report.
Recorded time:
4.33.50
